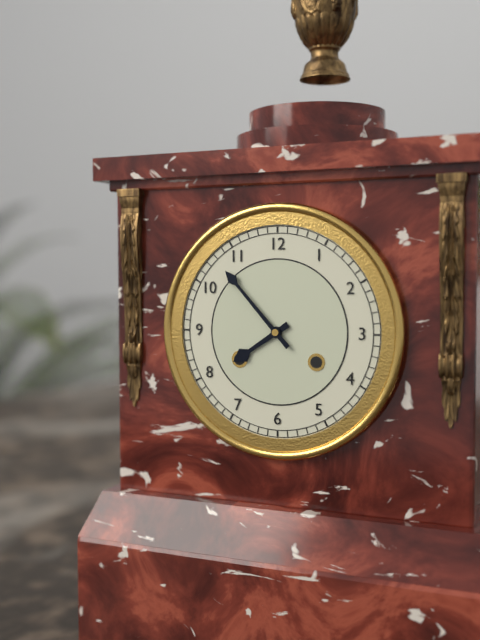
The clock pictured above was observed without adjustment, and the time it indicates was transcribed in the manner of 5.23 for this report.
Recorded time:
7.53
